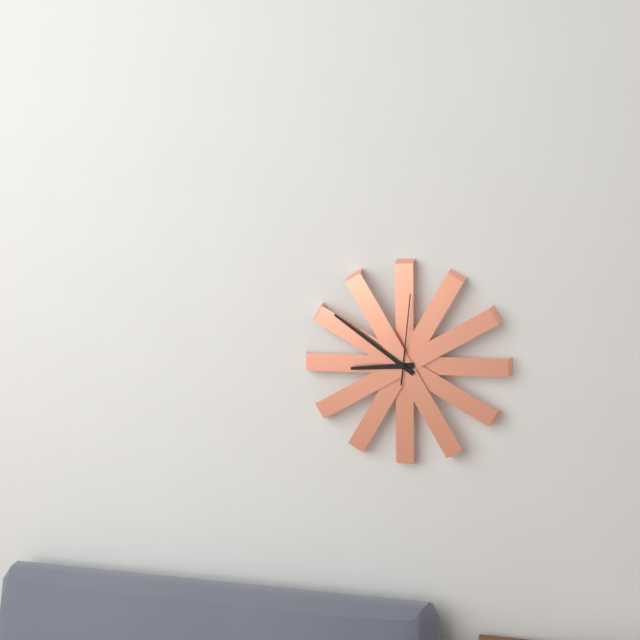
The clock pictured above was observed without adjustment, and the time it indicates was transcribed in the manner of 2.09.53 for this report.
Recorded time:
8.51.01
